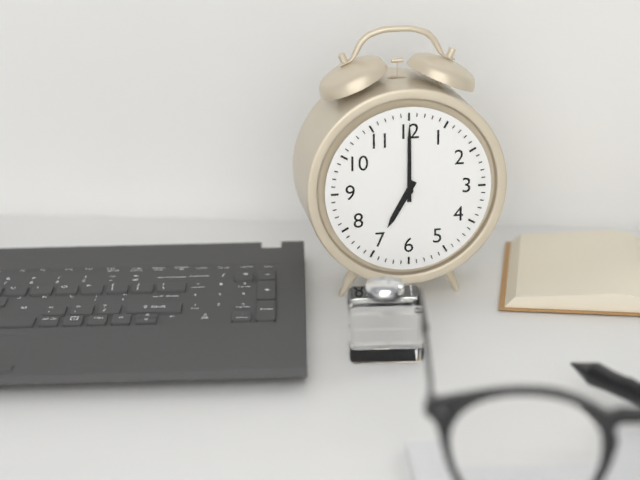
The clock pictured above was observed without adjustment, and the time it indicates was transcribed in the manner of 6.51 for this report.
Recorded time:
7.00
